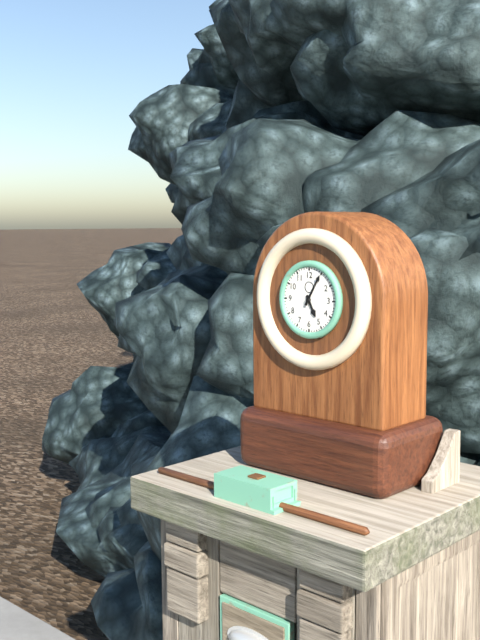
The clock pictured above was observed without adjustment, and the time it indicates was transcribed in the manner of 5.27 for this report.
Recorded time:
5.05
